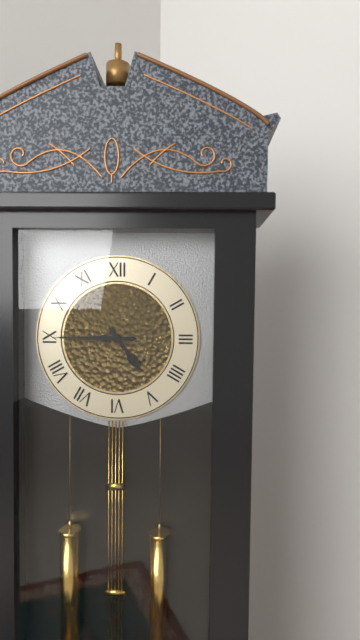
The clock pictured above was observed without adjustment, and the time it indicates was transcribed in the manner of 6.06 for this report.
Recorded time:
4.45
